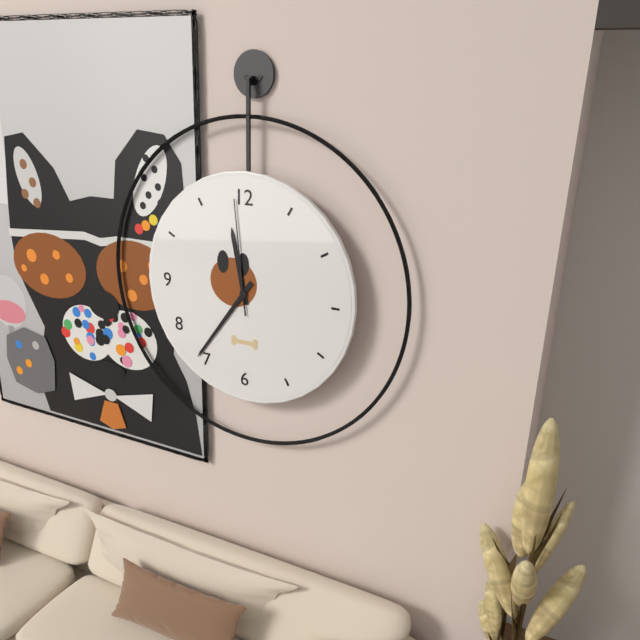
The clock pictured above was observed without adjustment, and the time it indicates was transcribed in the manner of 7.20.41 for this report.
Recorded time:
11.36.59
